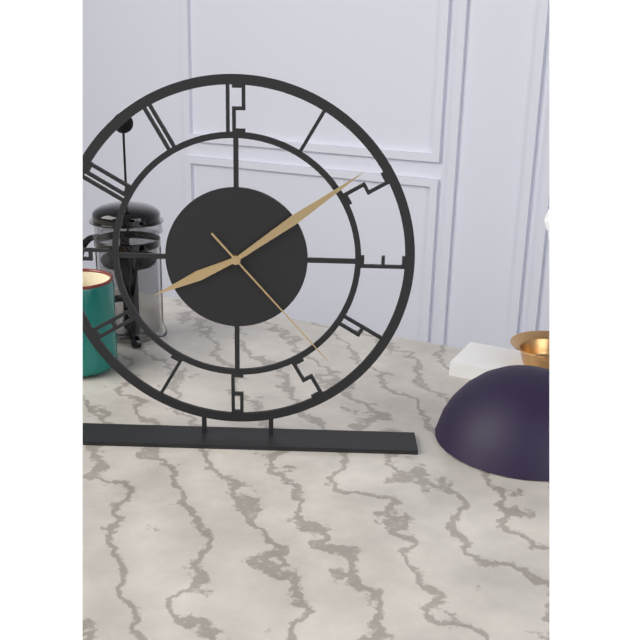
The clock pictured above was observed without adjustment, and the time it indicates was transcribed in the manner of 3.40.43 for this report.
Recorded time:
8.09.23
